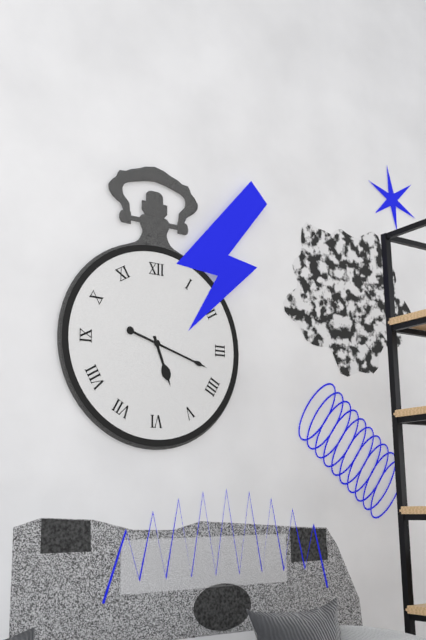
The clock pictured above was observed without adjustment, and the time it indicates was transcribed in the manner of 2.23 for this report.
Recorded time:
5.18
